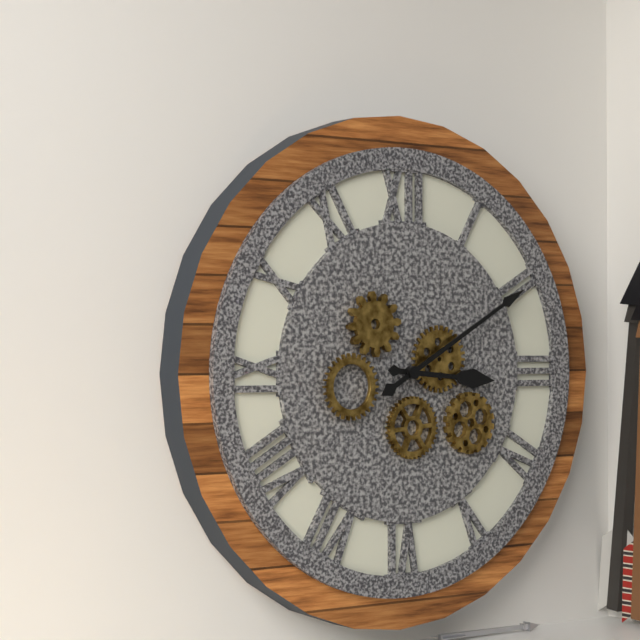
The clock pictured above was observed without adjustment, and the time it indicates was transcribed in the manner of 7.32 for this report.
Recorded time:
3.10
